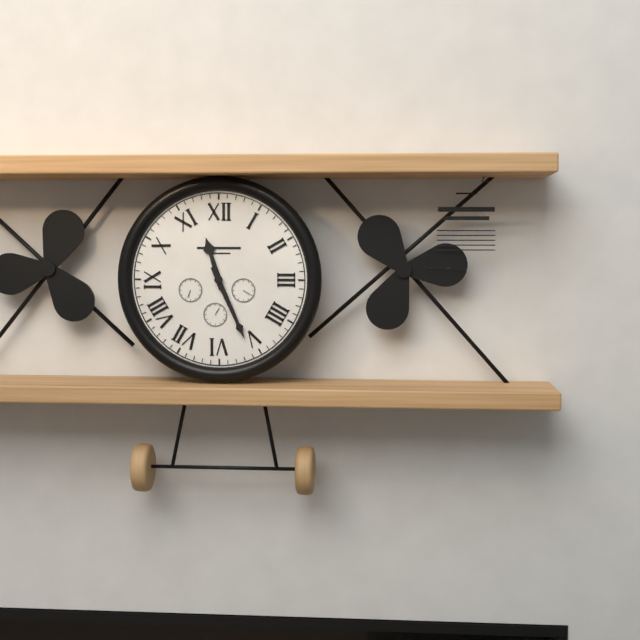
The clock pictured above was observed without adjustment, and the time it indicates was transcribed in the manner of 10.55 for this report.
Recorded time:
11.26
